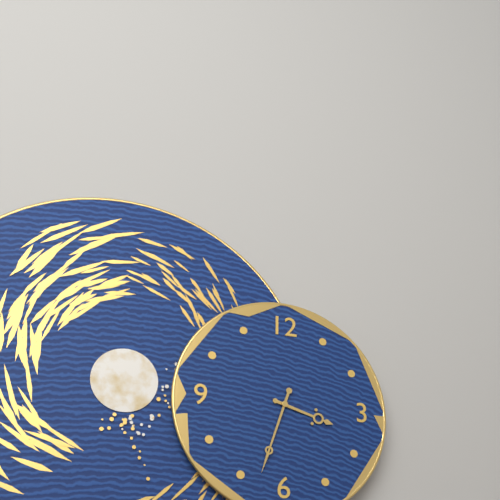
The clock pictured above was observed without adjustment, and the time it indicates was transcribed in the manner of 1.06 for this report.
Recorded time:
3.33
